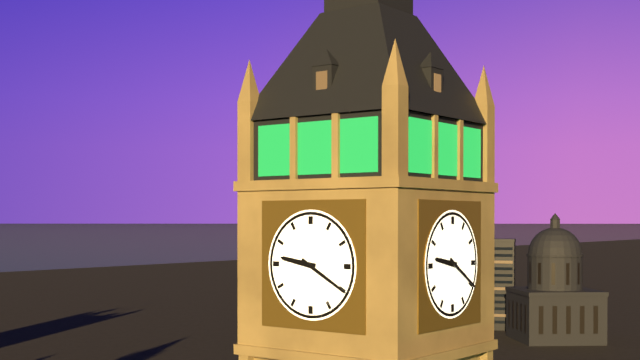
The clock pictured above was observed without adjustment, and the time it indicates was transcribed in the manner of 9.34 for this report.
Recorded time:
9.20
